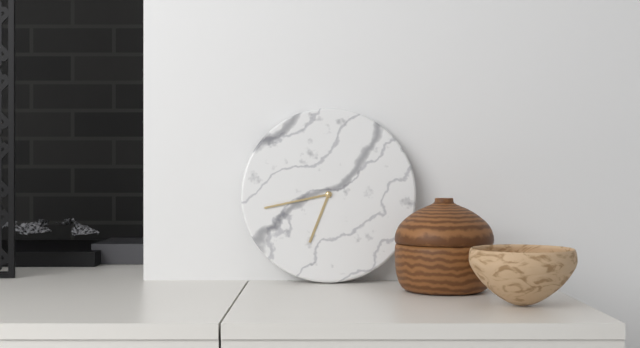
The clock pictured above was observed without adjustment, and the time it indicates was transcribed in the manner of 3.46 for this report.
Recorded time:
6.43
